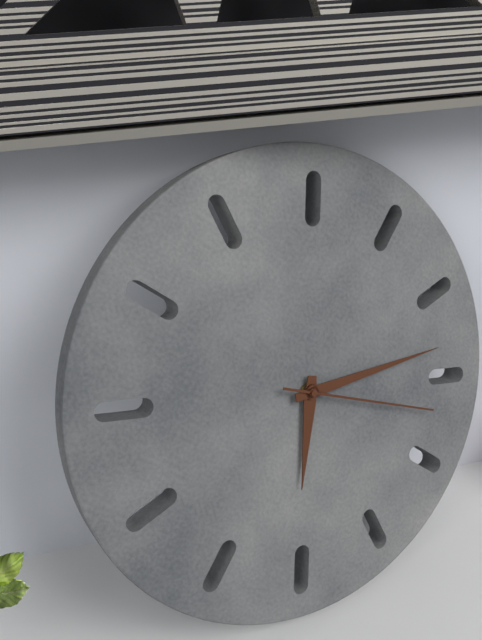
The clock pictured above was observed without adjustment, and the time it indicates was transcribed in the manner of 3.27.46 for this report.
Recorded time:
5.08.12
